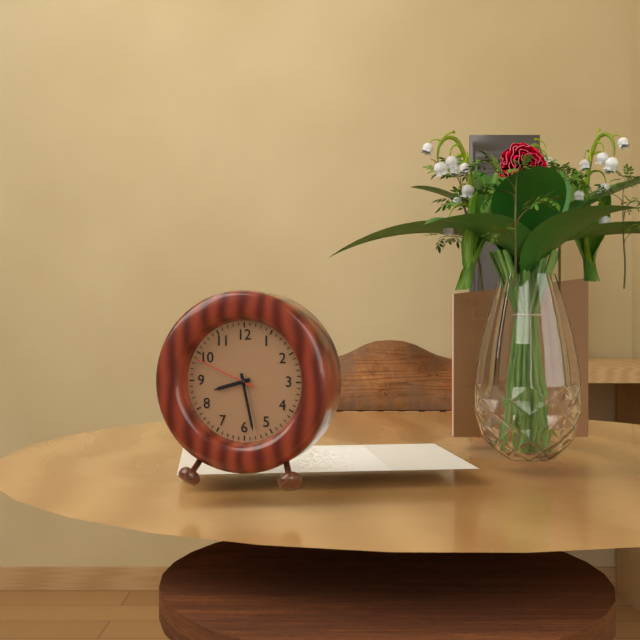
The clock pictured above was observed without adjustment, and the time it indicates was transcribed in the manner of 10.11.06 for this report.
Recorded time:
8.28.49
